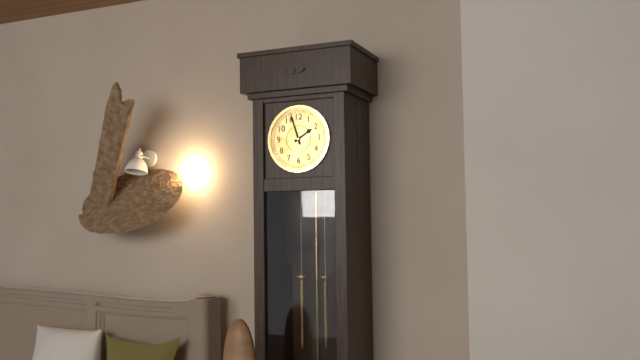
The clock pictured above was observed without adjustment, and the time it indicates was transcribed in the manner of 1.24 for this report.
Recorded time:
1.57
